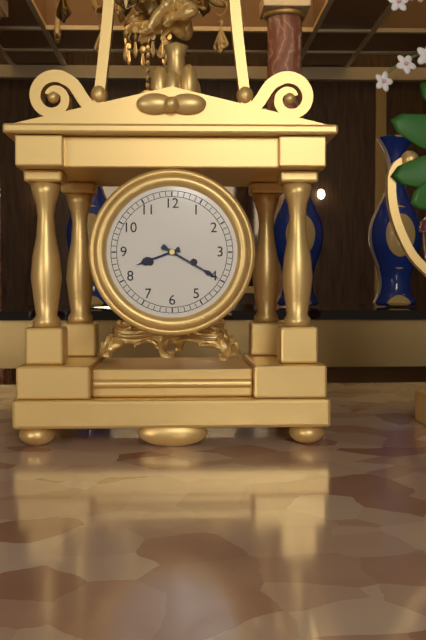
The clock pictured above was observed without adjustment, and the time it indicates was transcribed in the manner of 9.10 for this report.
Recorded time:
8.20
